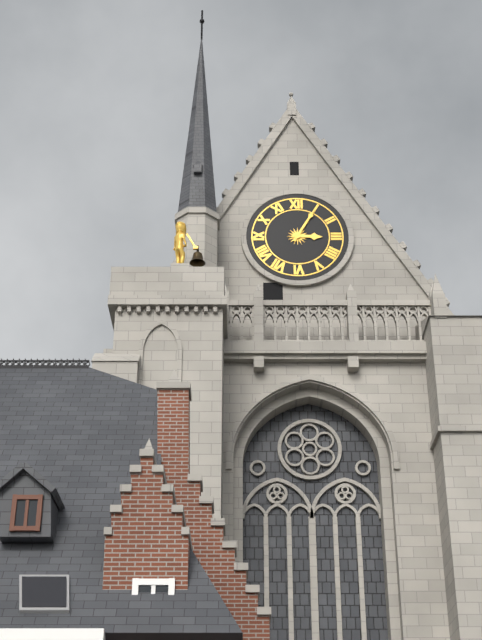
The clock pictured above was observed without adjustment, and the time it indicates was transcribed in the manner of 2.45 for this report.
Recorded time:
3.05
